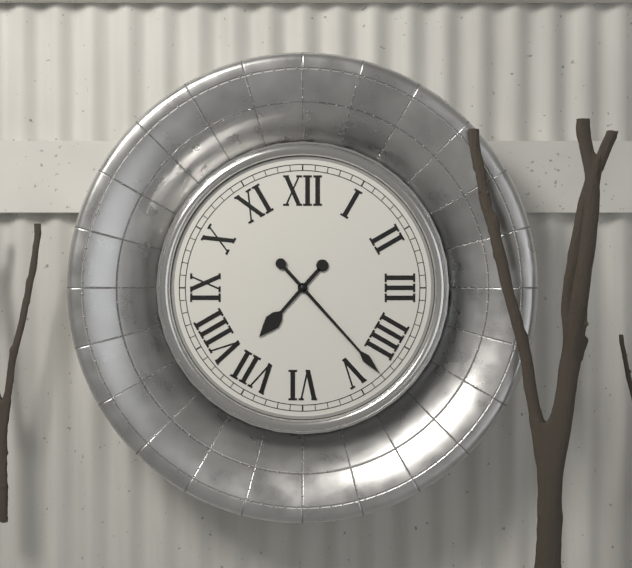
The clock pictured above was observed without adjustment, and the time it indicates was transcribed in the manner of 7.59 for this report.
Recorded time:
7.23
